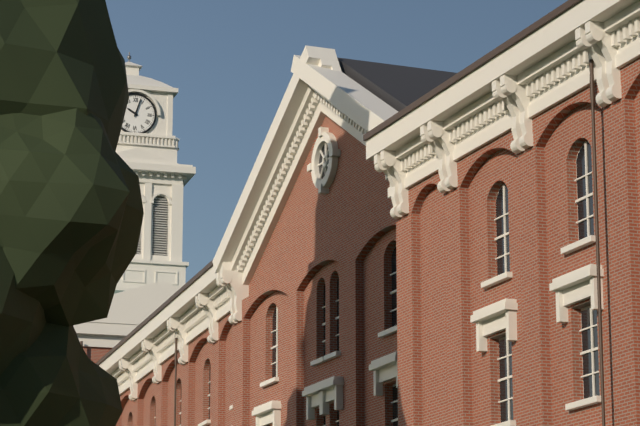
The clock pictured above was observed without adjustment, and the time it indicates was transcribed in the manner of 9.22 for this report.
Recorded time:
10.03
